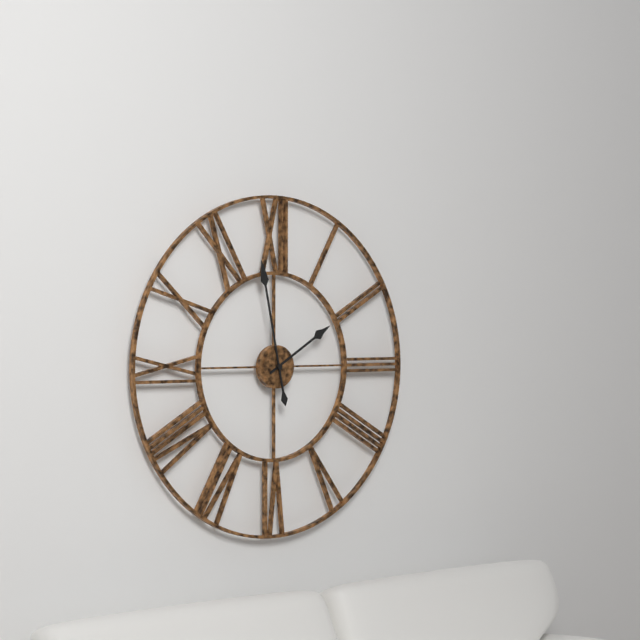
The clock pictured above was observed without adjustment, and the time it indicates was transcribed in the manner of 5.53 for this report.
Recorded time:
1.58
